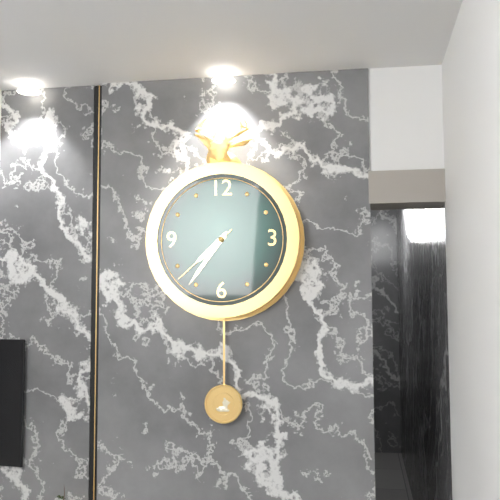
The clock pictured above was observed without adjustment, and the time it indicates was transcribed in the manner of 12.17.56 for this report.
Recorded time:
7.36.38
